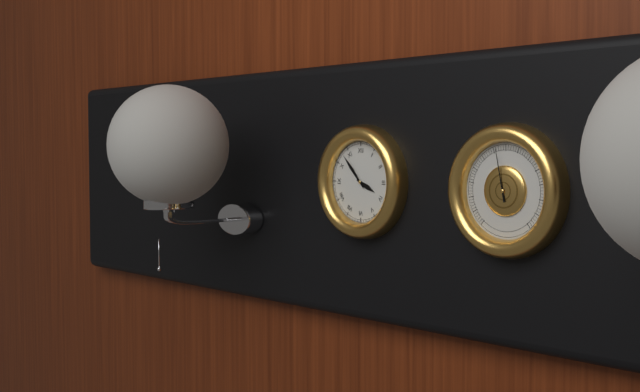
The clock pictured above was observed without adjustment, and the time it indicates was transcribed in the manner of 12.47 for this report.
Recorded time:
3.53
